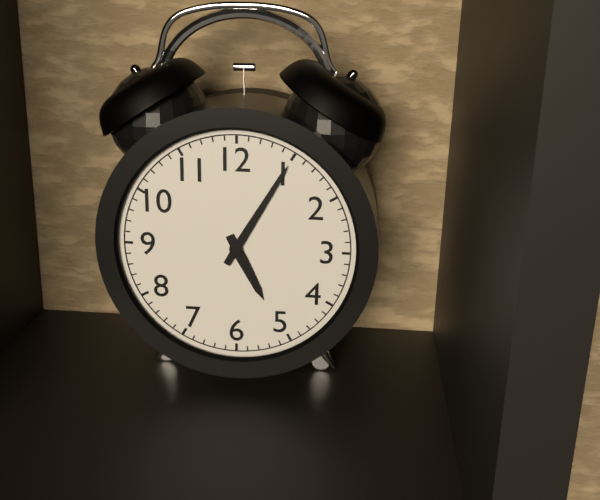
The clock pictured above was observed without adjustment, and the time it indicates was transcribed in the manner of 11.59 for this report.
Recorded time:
5.05
